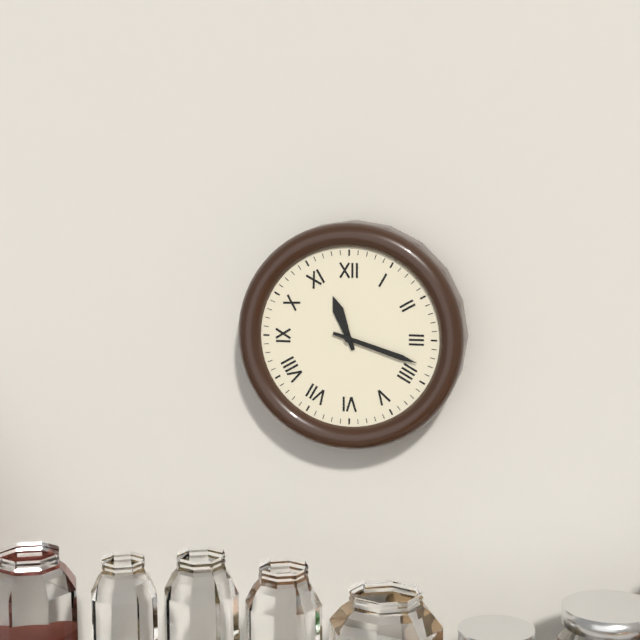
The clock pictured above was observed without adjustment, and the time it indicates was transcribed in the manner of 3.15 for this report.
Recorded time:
11.18
